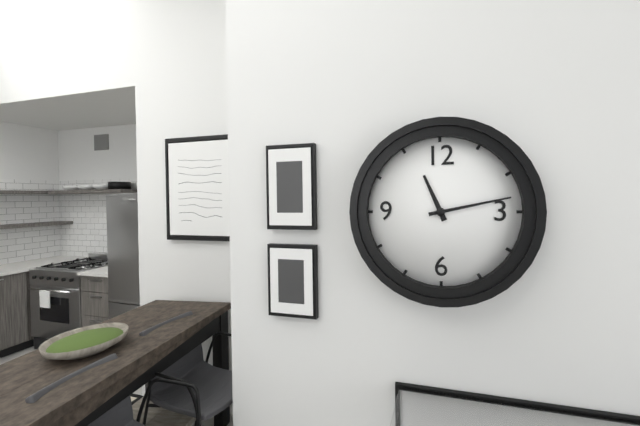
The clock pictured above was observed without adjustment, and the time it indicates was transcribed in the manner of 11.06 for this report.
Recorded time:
11.13
